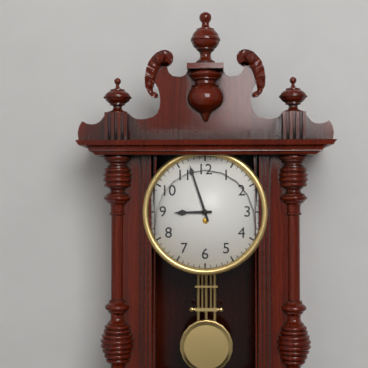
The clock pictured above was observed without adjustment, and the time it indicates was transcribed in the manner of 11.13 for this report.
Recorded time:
8.57
